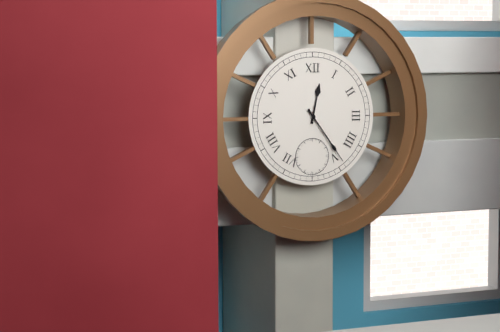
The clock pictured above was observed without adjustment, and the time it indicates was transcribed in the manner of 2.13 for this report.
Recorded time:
12.24
